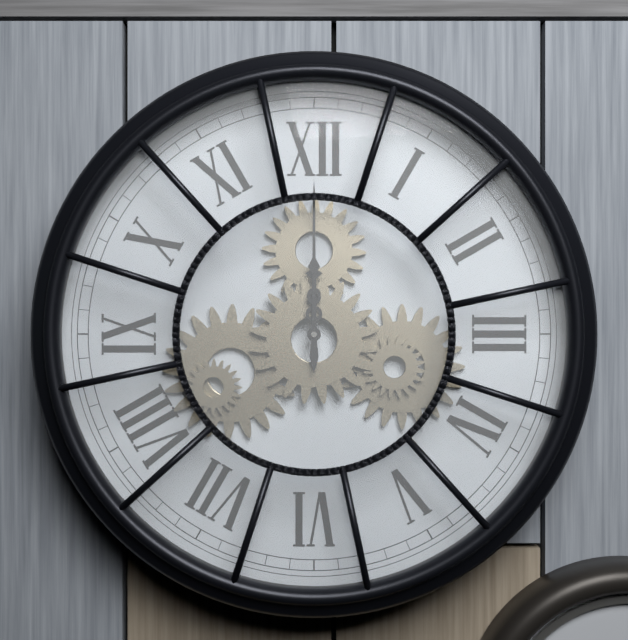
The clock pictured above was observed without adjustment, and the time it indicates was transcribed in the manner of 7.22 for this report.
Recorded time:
12.00
